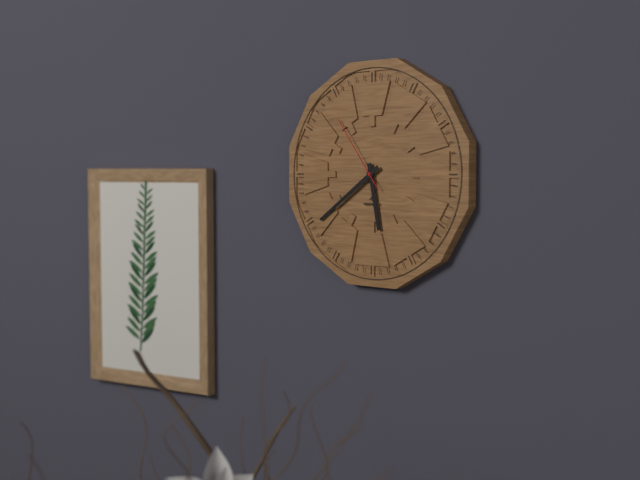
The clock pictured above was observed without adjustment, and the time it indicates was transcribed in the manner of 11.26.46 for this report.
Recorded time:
5.39.54
